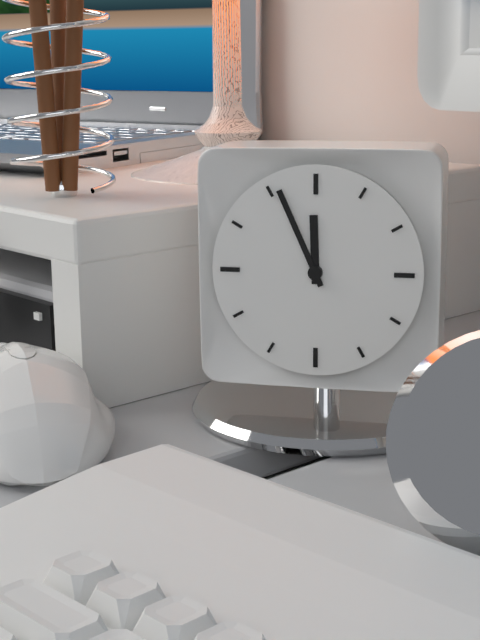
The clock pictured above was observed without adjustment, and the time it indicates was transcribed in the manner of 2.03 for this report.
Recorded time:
11.56
